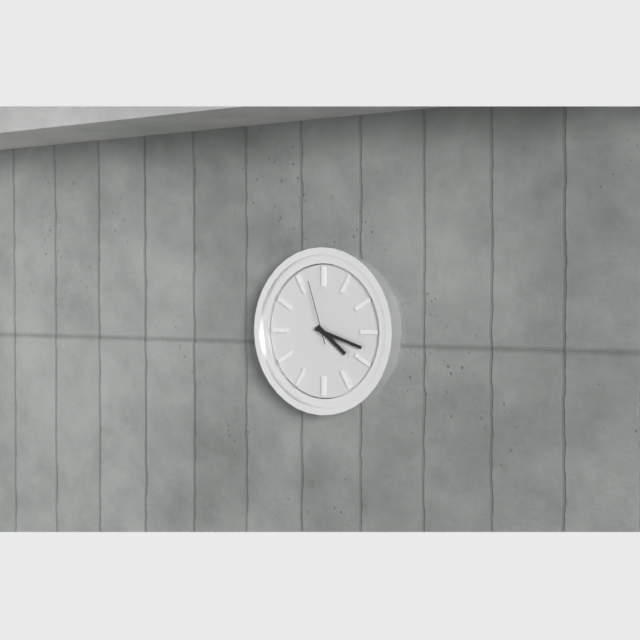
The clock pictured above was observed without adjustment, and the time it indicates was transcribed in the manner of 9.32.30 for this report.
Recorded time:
4.18.57
